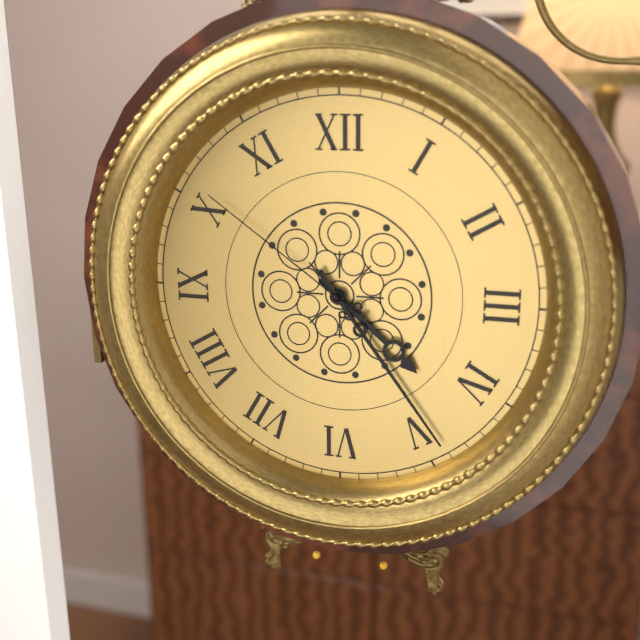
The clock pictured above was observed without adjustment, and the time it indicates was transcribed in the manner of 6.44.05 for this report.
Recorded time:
4.24.51
